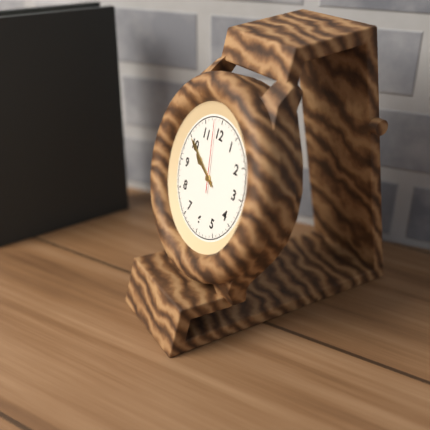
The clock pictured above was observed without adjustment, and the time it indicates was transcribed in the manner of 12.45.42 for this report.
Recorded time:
9.50.58
